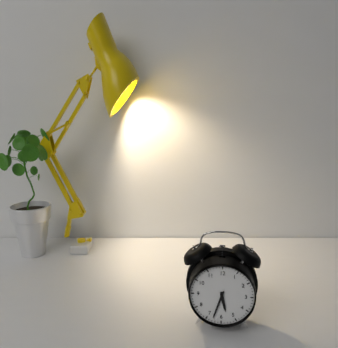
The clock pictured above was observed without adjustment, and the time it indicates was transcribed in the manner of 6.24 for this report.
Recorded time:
5.33
